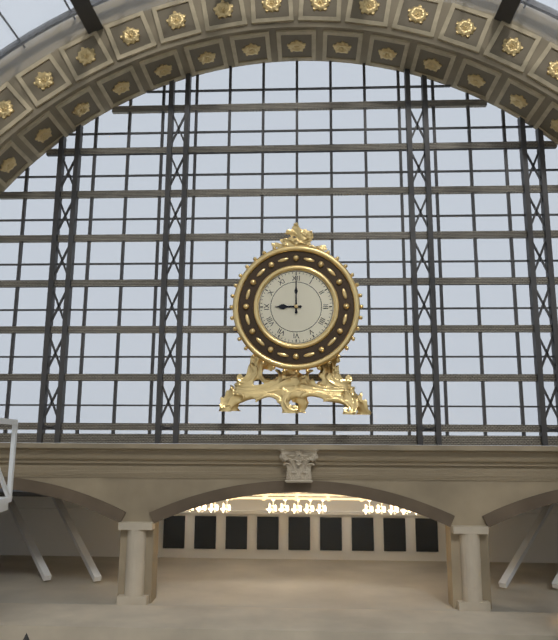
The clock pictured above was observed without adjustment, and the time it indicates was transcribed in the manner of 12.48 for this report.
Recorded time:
9.00
